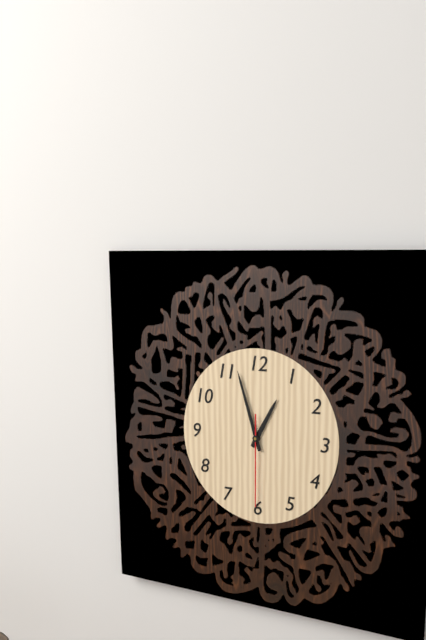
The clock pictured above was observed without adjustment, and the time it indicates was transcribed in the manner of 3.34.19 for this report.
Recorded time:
12.57.30
